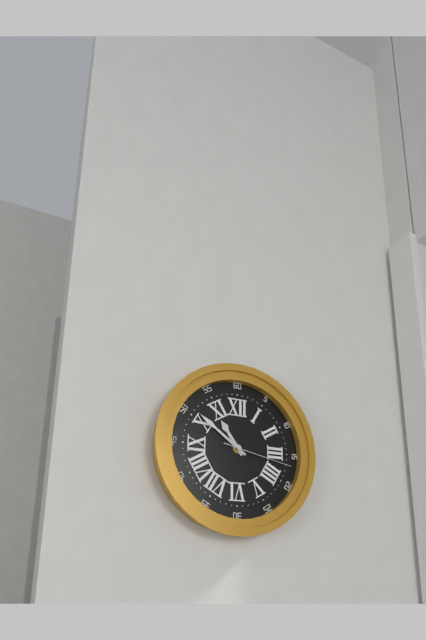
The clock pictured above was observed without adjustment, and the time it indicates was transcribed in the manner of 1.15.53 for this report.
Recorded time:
10.51.17
